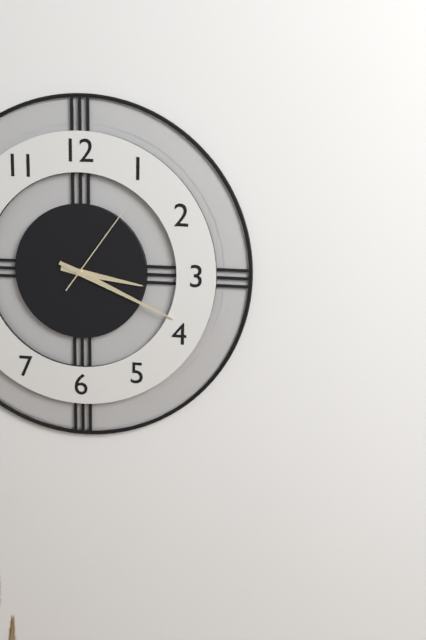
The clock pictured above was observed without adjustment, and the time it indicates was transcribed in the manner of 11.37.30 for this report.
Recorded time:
3.19.06
